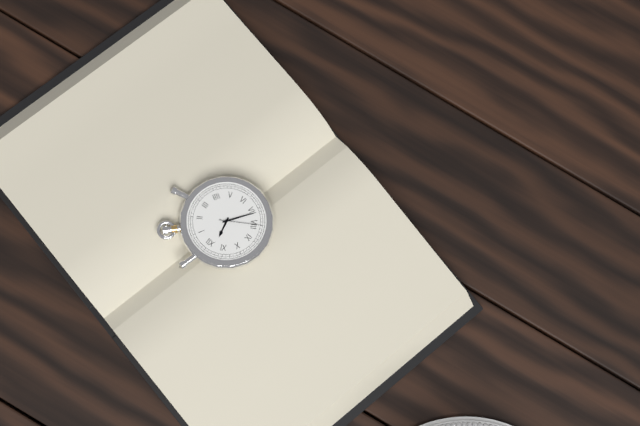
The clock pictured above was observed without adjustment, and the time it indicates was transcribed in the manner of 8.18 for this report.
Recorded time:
11.36
